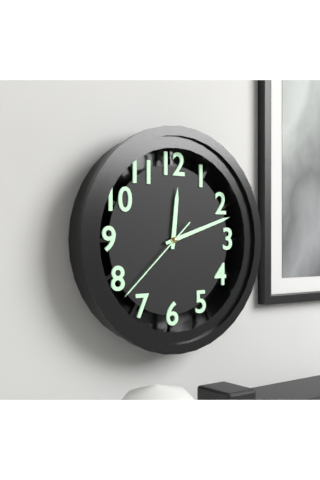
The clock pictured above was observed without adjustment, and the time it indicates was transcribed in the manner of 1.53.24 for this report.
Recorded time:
12.12.38
